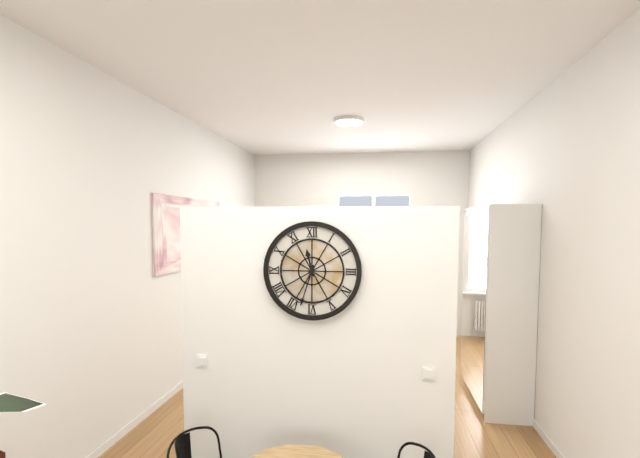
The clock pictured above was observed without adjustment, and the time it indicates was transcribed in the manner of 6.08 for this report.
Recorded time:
11.33
